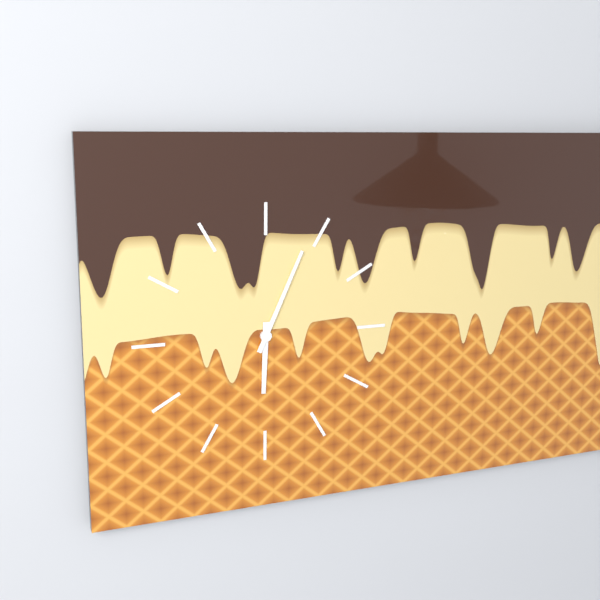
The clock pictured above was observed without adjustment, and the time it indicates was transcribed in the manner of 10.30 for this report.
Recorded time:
6.04
